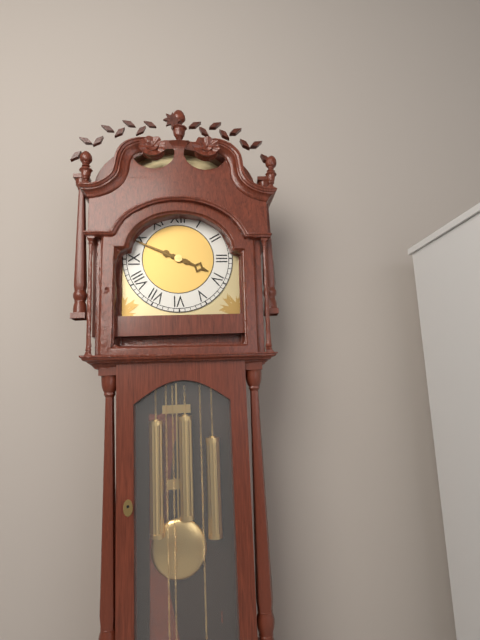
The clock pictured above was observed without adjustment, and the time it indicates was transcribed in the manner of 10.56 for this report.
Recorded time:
3.49
